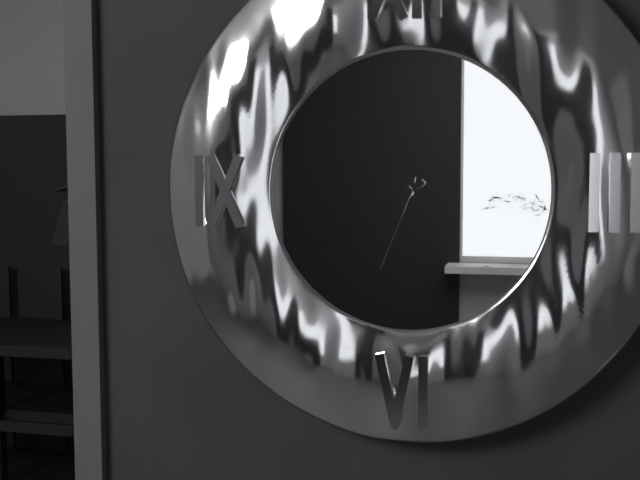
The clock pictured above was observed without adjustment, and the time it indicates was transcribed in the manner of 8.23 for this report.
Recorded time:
6.40
